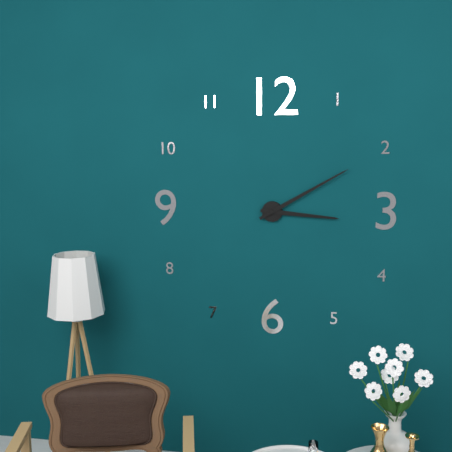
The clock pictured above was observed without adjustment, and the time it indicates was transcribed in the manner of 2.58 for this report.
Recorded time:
3.10
